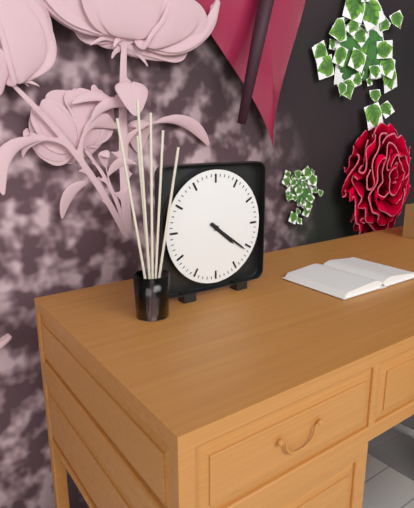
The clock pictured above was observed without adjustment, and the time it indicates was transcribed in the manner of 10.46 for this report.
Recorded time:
4.21
